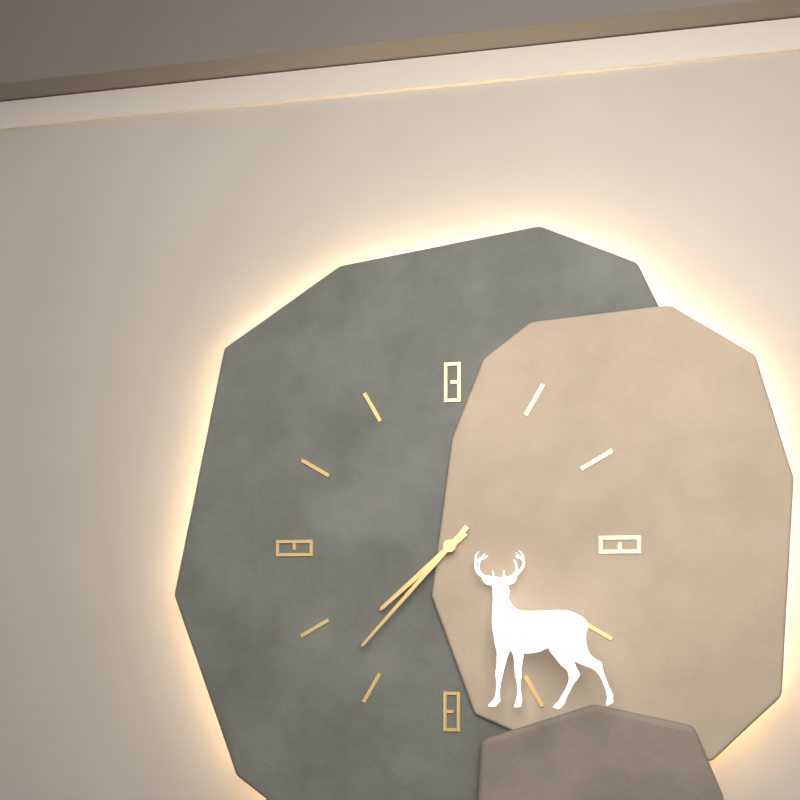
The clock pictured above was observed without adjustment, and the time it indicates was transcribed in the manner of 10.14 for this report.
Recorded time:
7.37
